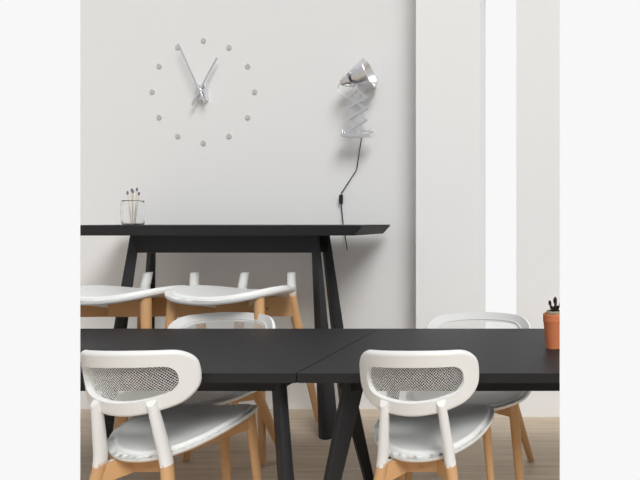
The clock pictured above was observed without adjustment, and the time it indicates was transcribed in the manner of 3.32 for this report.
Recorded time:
12.56
